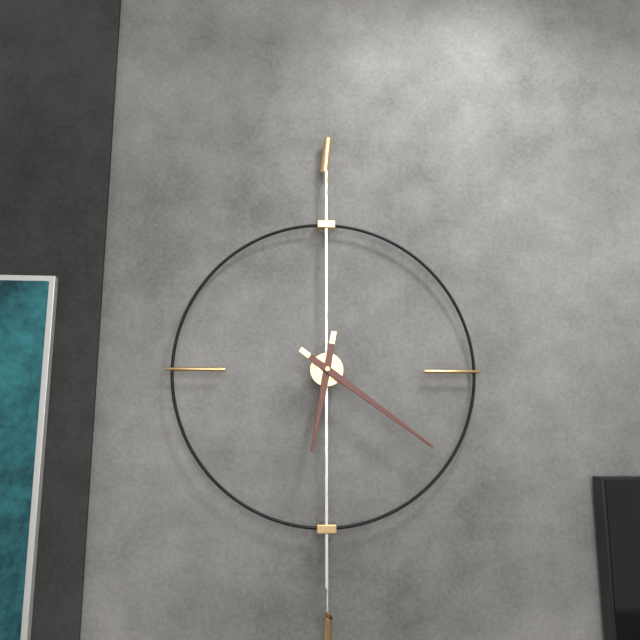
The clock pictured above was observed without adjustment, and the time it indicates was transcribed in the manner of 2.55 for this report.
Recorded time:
6.21
